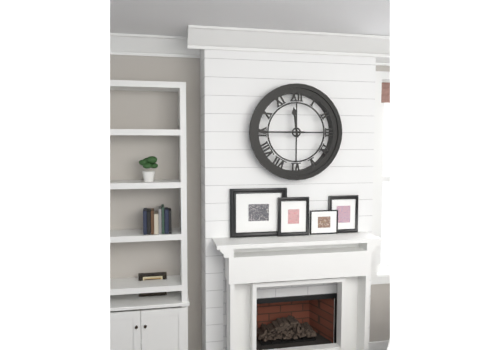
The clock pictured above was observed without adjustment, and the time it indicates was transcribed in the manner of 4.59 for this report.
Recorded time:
11.45
